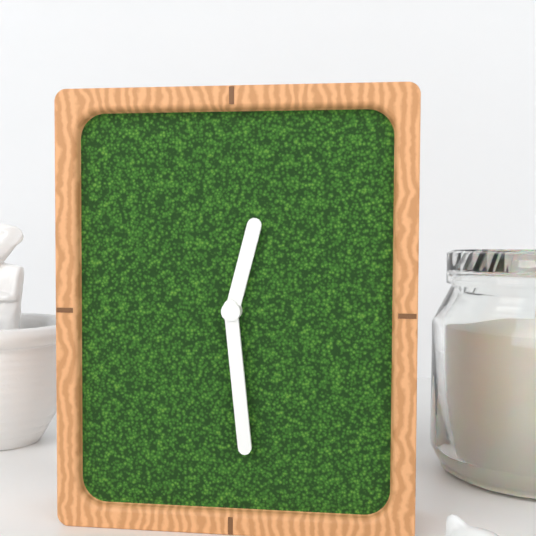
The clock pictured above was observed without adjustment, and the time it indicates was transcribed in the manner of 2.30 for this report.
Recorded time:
12.29
